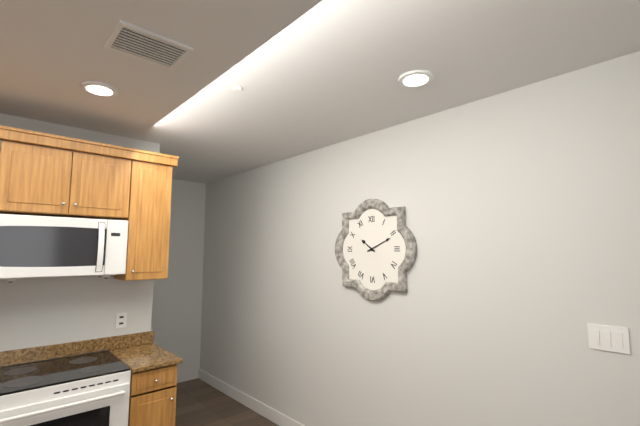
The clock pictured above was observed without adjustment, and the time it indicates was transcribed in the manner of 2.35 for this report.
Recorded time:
10.11
